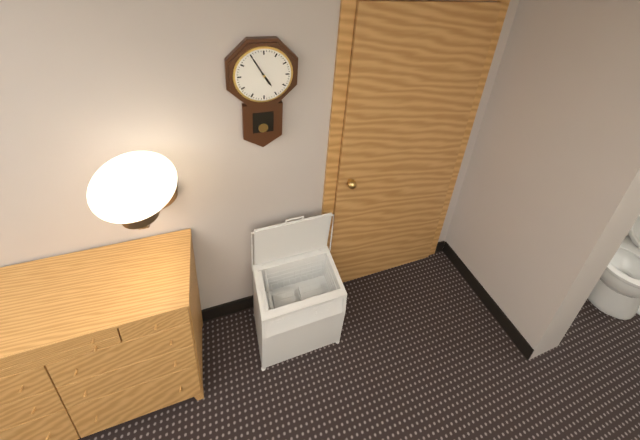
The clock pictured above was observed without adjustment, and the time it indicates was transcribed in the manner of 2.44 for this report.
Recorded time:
4.55
